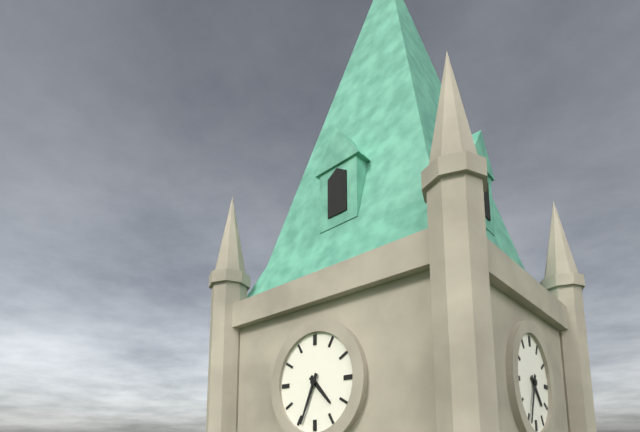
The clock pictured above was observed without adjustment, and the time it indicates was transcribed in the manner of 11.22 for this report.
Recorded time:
4.34
